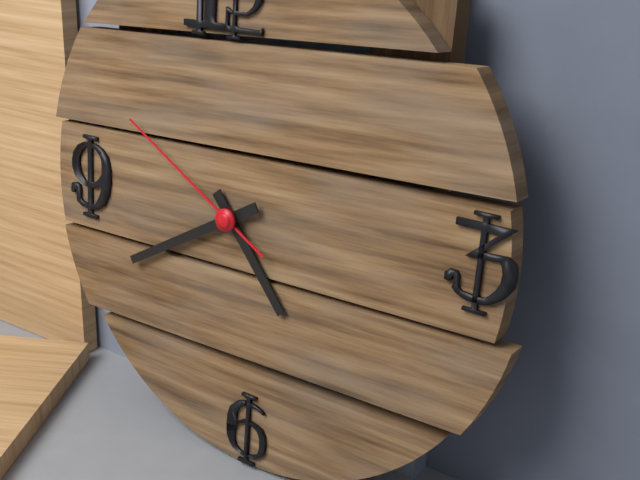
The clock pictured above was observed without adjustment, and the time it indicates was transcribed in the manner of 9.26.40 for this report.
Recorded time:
4.40.50
